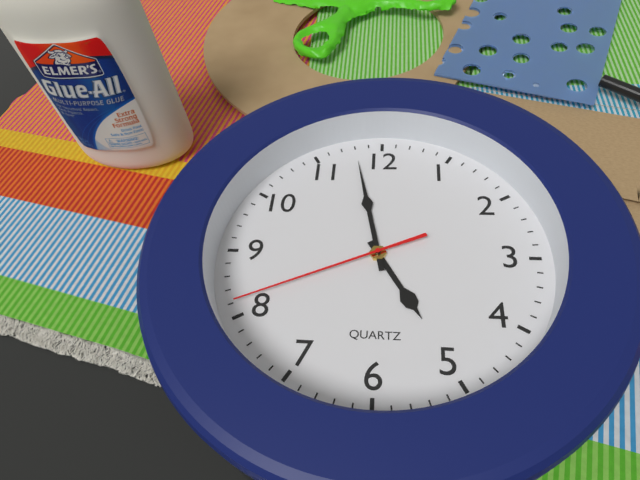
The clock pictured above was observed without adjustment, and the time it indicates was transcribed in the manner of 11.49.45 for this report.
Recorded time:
4.58.41
